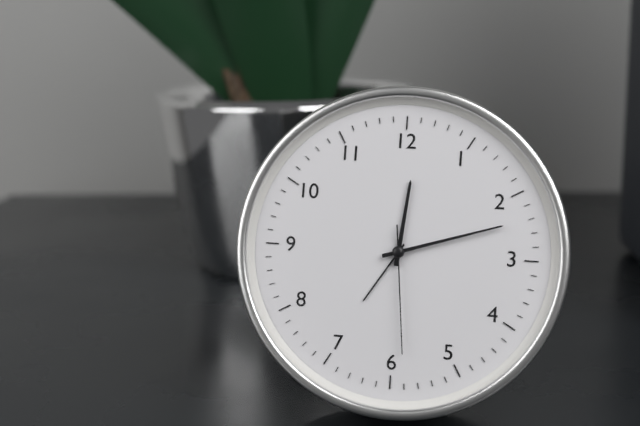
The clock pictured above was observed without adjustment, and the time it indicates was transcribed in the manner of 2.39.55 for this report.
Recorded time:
12.12.29
